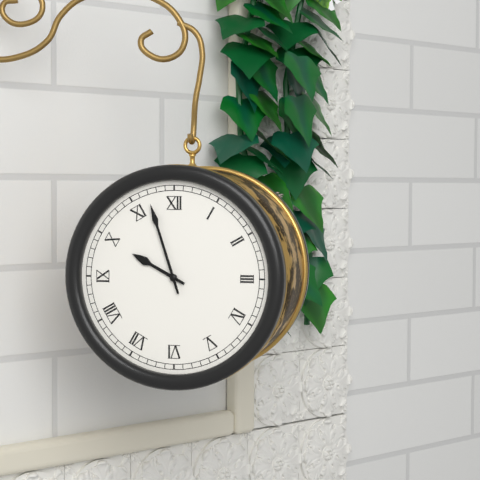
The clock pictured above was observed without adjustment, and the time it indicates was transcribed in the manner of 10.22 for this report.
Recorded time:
9.57
